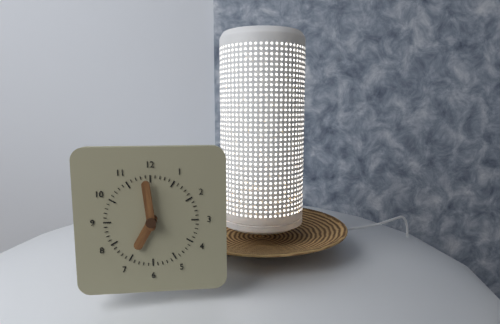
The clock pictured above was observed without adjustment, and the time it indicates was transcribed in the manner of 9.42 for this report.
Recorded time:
6.59
